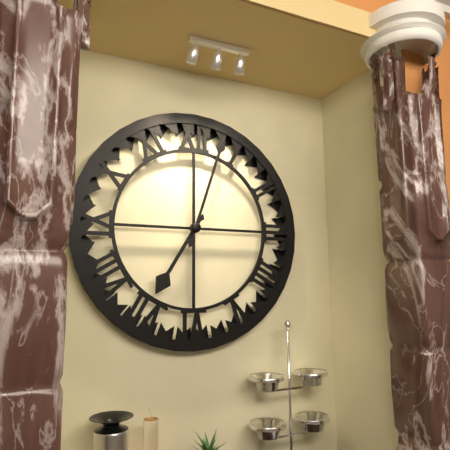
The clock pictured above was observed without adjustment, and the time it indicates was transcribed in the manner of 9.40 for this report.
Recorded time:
7.03
